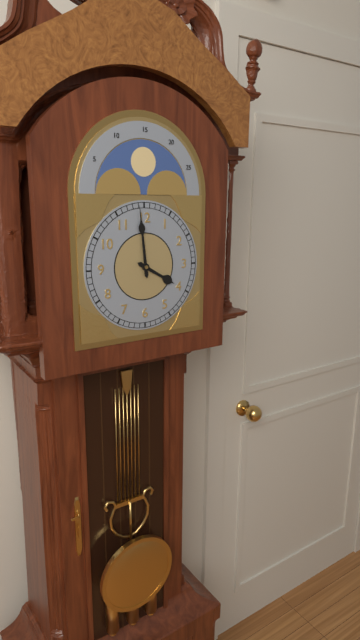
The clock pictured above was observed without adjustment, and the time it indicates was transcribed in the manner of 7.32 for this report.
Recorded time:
3.59
